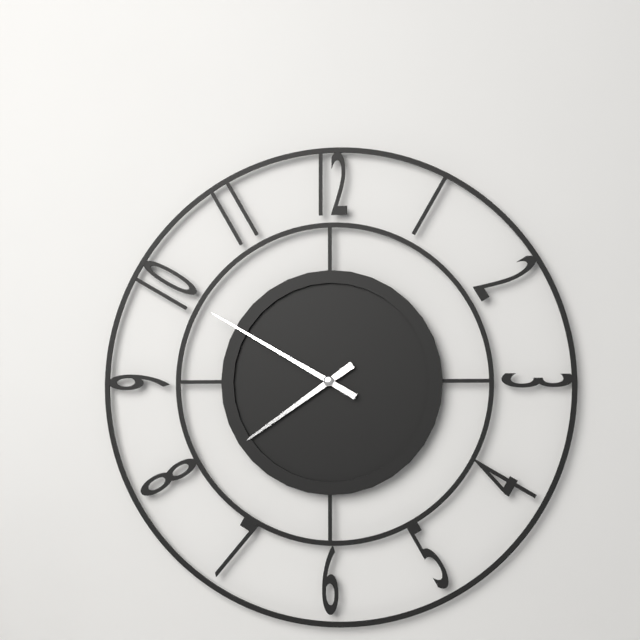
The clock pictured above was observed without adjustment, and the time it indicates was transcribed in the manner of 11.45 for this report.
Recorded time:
7.50
